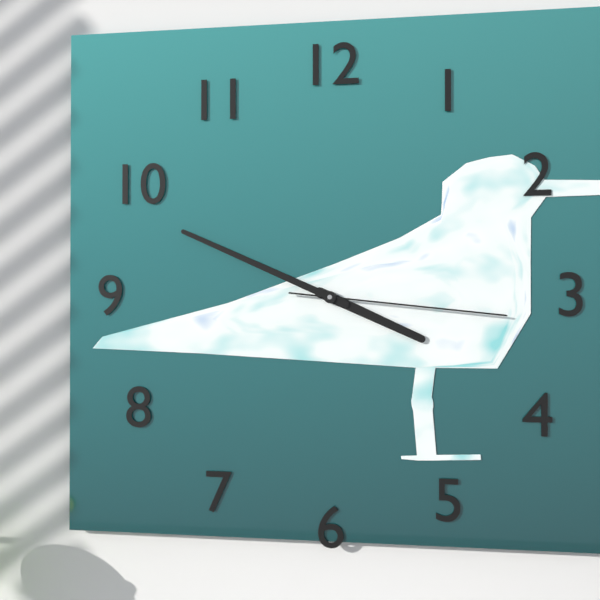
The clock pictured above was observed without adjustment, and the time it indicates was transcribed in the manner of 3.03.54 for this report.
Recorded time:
3.49.16
